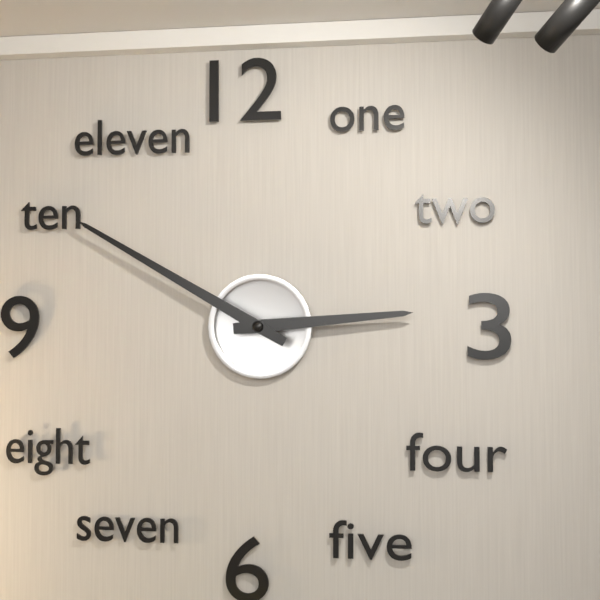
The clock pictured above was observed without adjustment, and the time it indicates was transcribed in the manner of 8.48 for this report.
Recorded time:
2.50
